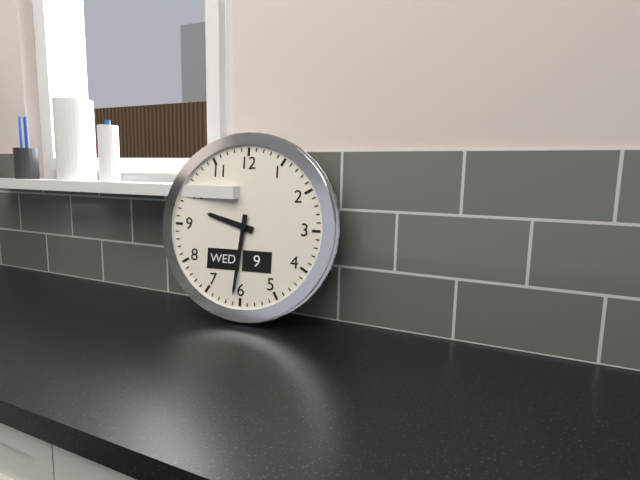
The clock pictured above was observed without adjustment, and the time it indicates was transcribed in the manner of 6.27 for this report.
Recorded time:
9.31
